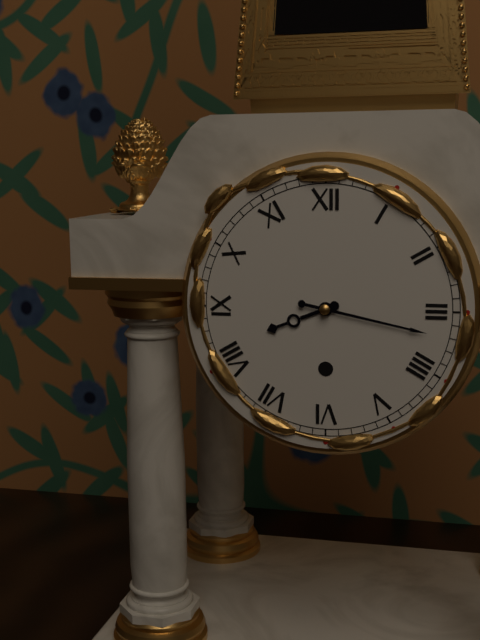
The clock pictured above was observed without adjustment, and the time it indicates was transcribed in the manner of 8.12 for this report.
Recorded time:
8.17
